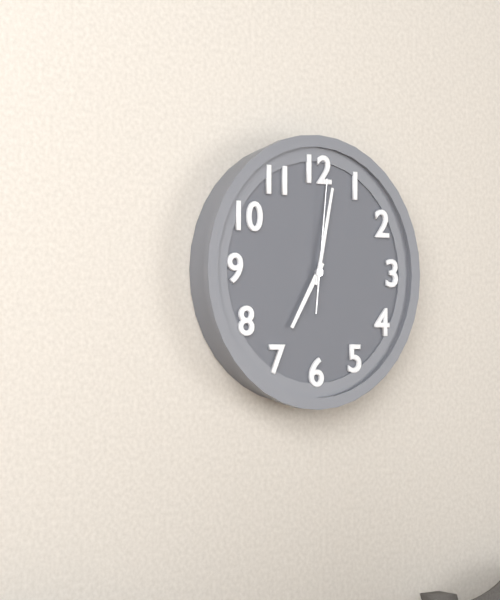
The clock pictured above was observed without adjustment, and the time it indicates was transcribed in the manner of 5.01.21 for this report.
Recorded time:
7.02.01
